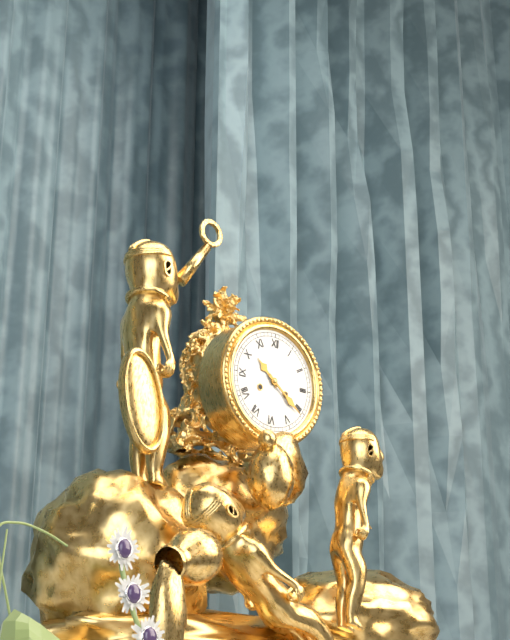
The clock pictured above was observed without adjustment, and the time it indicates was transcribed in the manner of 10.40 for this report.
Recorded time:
10.21
